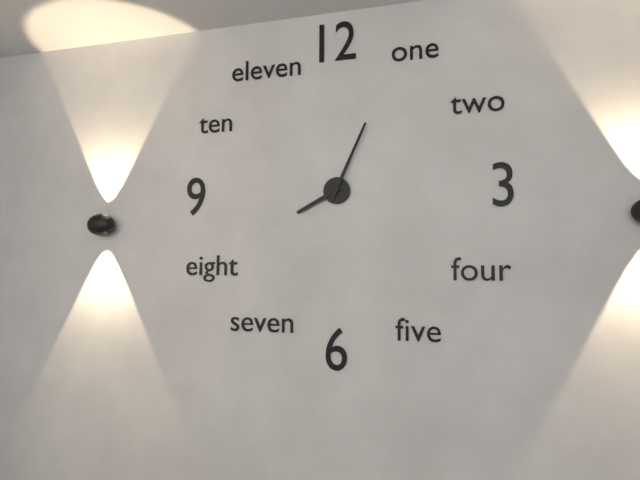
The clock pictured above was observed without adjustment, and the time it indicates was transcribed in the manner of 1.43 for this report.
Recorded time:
8.04
